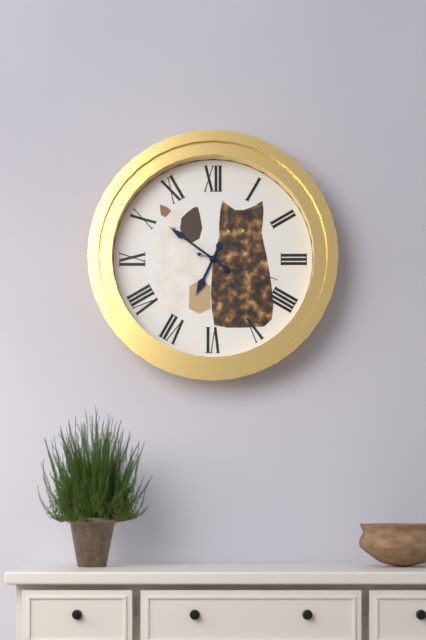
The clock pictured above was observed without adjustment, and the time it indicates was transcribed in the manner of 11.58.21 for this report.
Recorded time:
6.51.18
